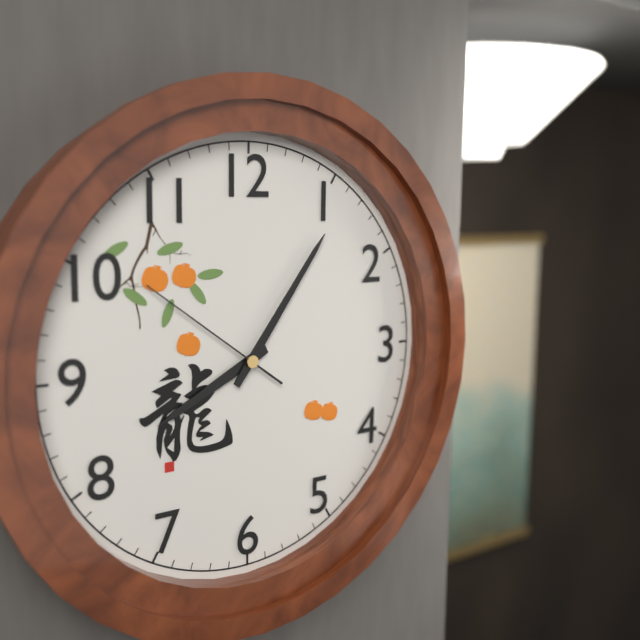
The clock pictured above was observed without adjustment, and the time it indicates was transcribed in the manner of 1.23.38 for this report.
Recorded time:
8.06.51
